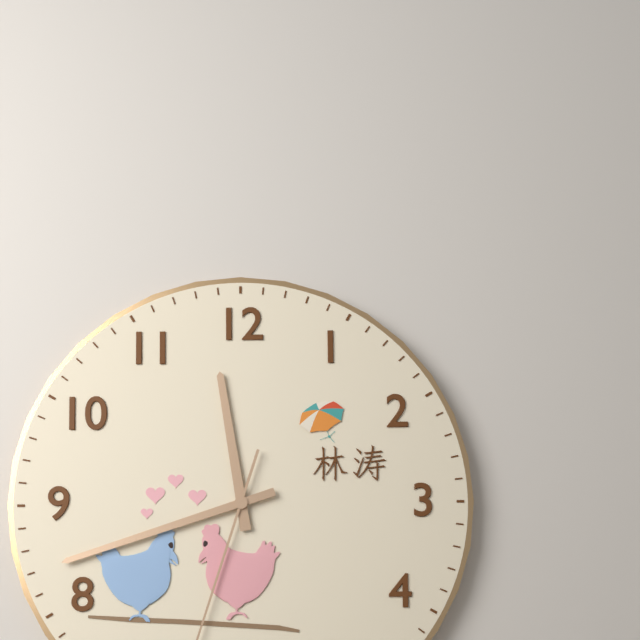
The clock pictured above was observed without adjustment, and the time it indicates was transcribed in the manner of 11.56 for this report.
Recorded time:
11.42
